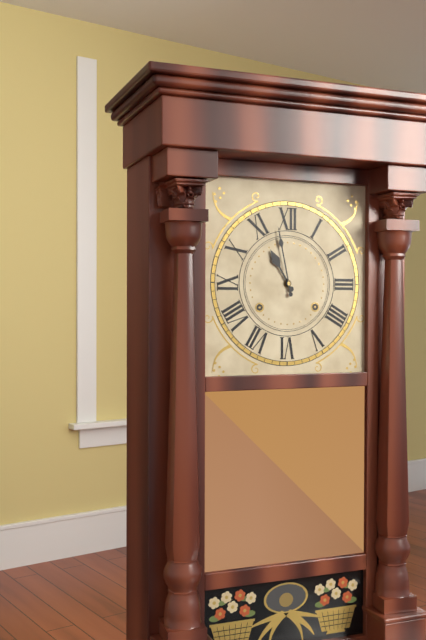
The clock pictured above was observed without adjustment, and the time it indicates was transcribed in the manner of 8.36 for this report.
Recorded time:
10.58
